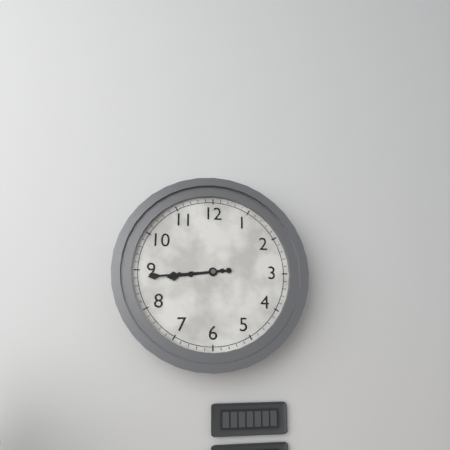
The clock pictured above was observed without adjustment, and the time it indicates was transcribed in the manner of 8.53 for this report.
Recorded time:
8.44
